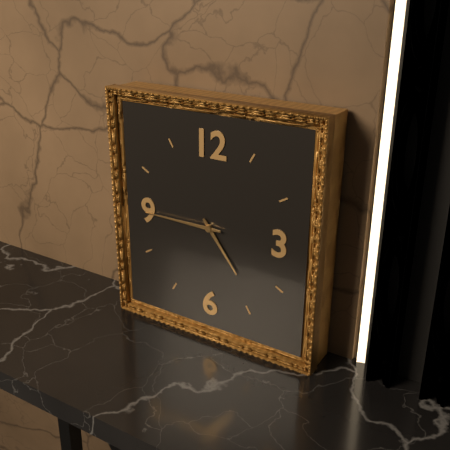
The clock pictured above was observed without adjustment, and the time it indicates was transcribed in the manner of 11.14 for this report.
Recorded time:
4.45
